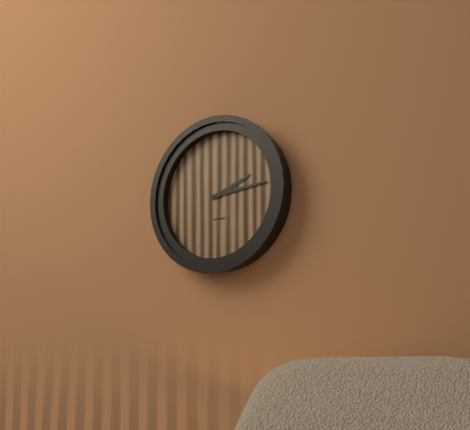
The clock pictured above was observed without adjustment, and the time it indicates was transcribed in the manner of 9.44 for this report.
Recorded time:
2.14
